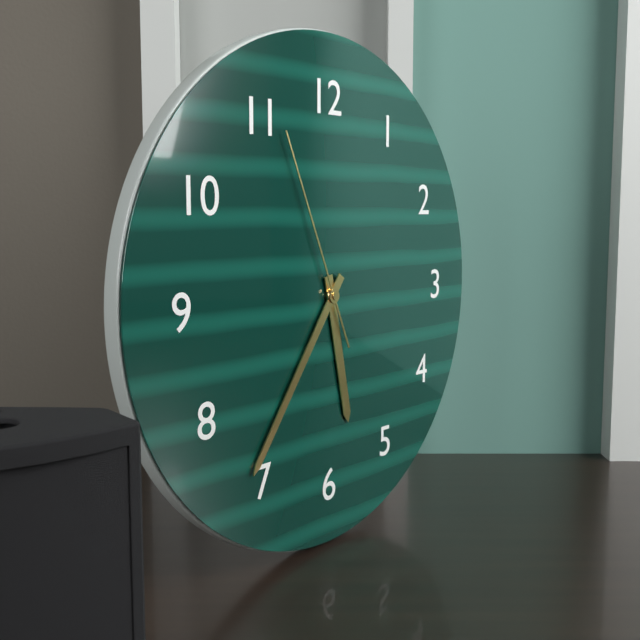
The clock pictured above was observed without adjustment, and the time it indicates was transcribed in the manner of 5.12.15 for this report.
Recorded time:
5.36.56
